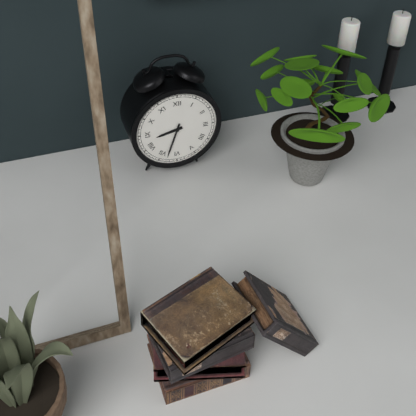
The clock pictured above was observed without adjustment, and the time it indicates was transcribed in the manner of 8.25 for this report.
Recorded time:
8.33
